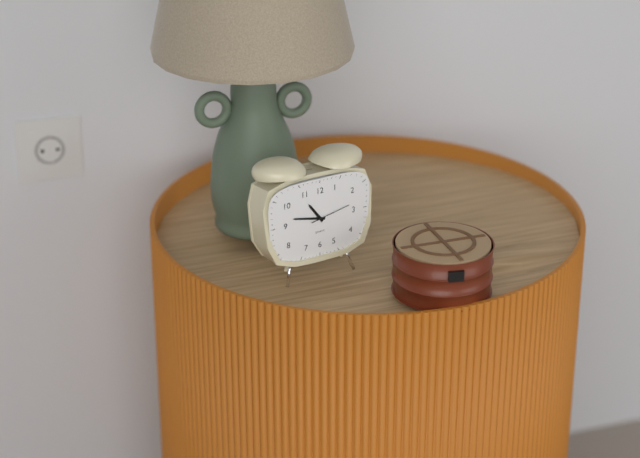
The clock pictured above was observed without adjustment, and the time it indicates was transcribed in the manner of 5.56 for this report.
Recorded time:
10.47
